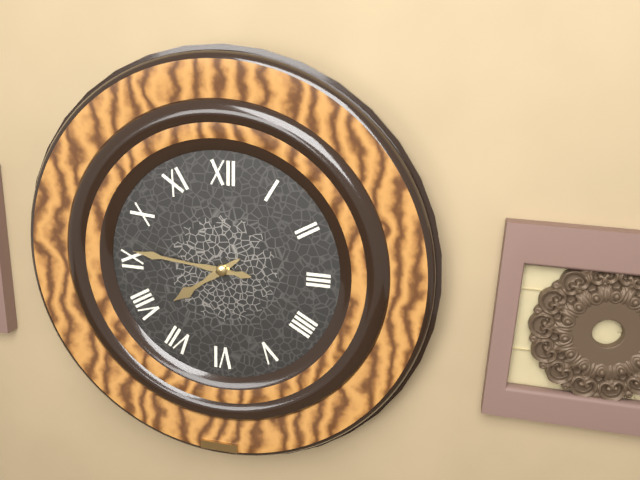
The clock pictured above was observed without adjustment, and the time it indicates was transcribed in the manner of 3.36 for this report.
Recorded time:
7.46
